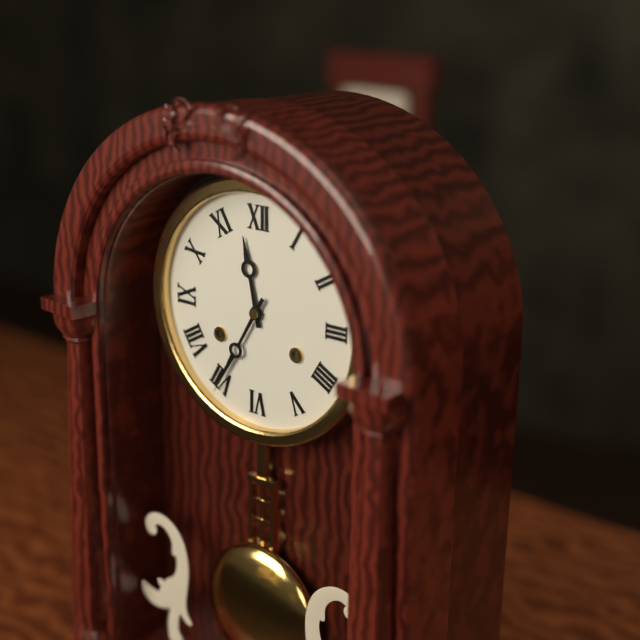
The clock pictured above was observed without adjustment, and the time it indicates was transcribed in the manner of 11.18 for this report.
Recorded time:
11.35
